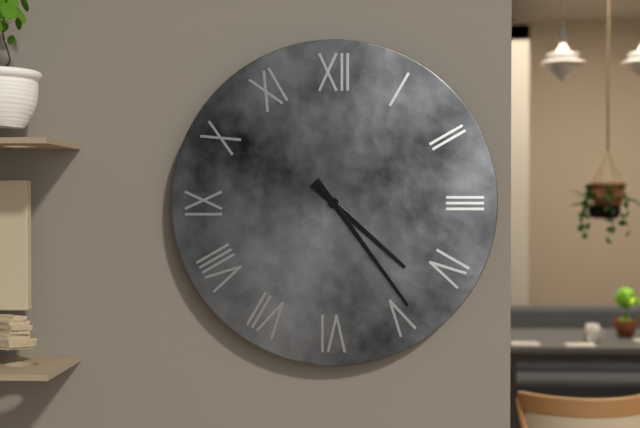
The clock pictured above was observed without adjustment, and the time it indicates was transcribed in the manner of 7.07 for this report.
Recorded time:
4.24
